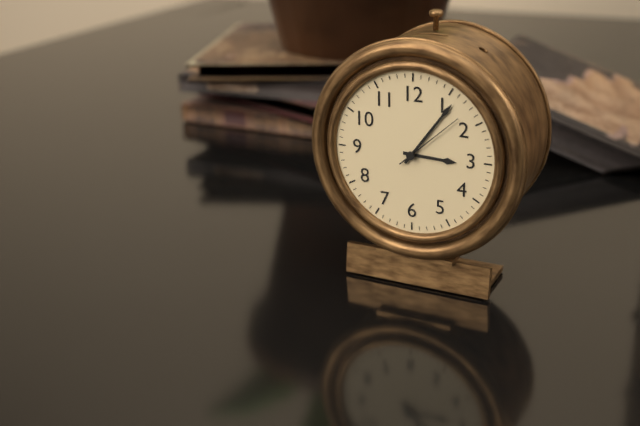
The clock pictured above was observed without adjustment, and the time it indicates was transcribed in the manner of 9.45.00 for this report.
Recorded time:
3.06.08
